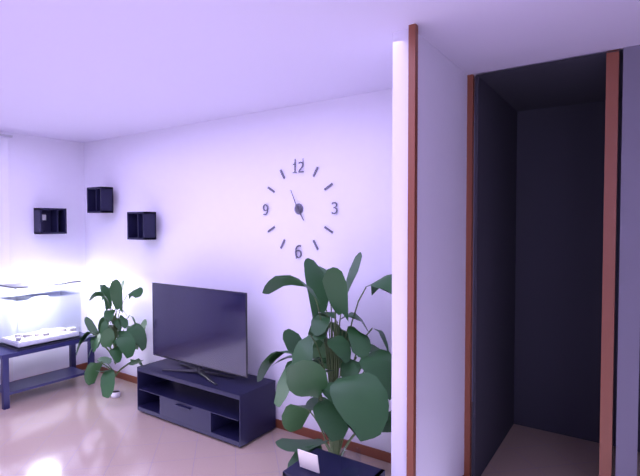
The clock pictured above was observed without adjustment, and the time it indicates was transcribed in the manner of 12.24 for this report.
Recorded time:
4.56
